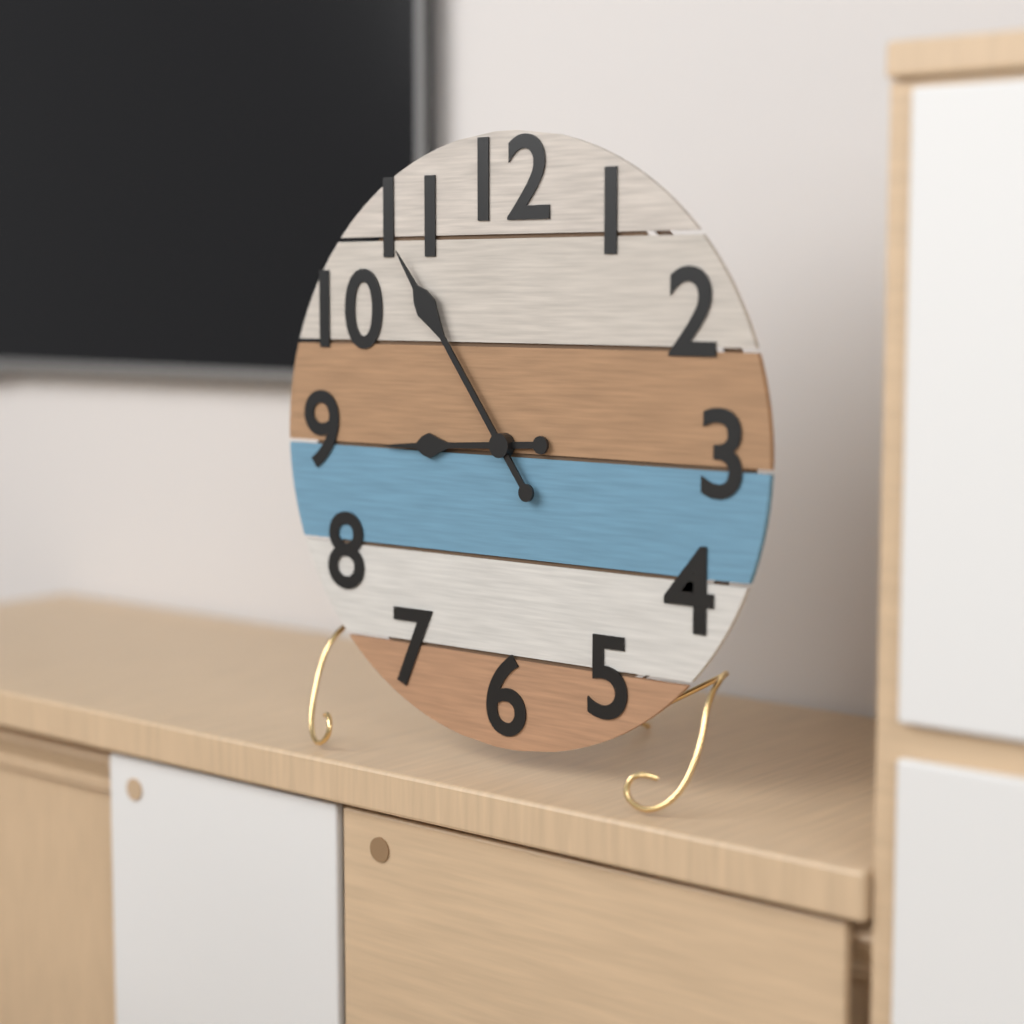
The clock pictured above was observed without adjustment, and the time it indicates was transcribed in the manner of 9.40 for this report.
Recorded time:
8.54
